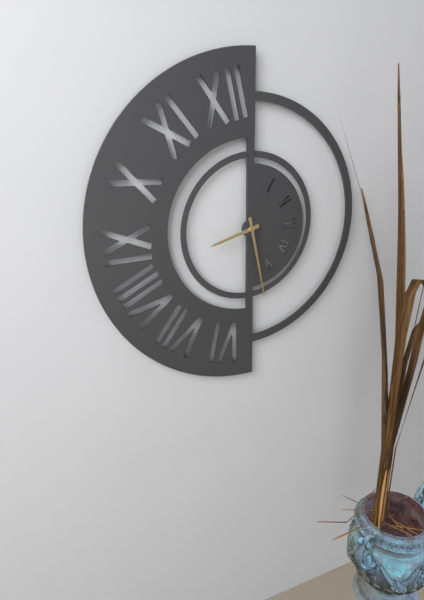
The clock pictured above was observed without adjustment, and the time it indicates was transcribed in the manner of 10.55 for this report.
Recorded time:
8.28
